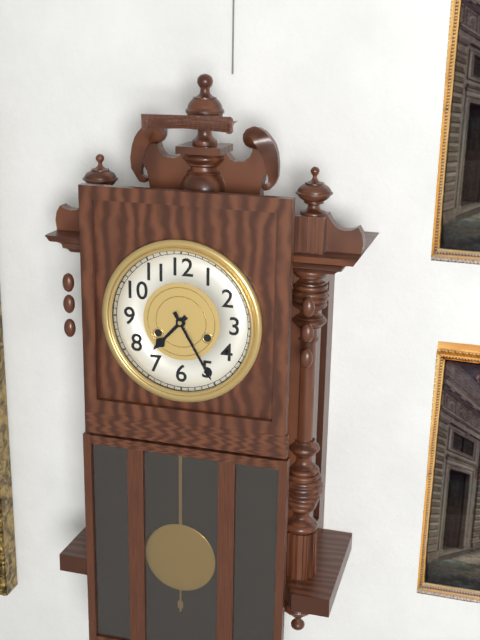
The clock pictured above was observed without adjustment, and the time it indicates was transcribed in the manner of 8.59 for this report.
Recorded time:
7.25
